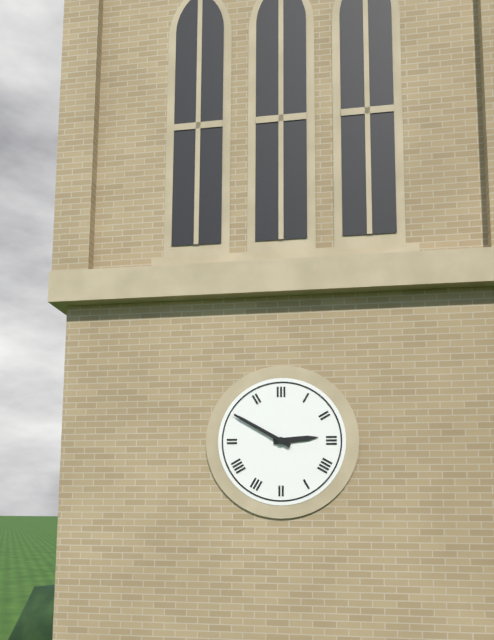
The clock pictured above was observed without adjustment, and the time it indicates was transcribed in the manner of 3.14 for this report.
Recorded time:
2.50
